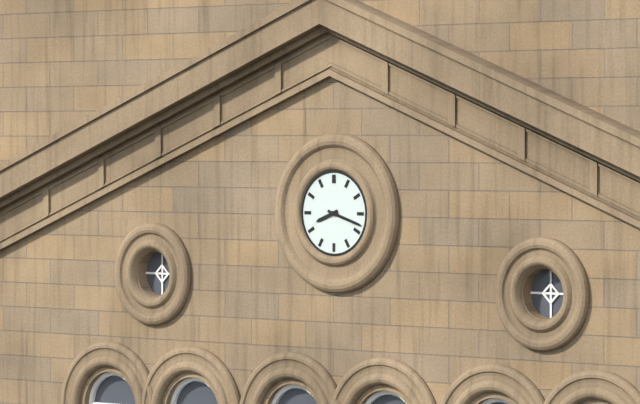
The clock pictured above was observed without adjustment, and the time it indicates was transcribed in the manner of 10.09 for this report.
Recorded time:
8.18
